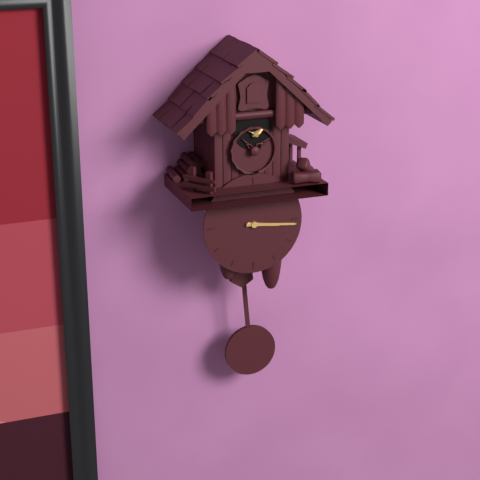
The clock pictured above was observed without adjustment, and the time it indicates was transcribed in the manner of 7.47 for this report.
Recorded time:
3.16
